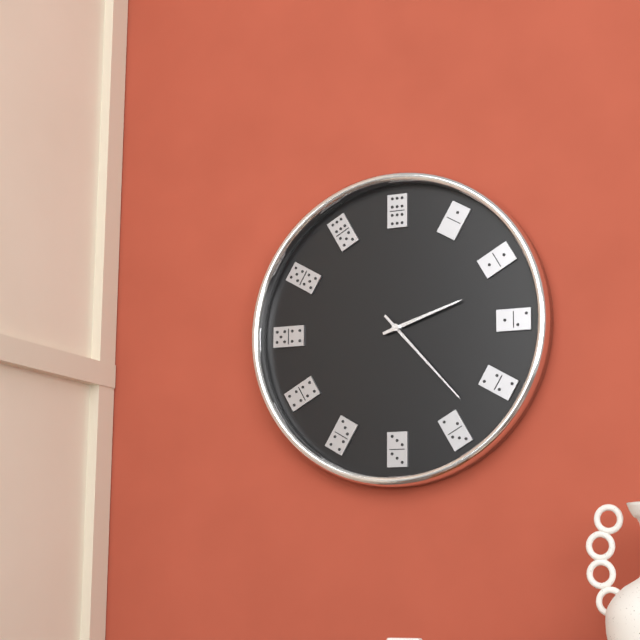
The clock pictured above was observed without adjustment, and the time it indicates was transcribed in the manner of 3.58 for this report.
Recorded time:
2.23
